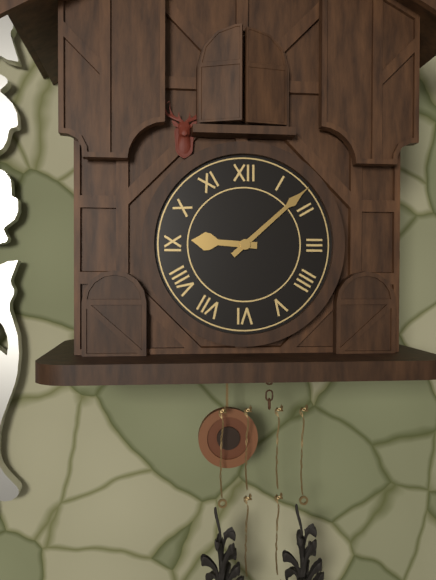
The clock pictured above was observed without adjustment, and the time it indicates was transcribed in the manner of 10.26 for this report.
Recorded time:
9.08
